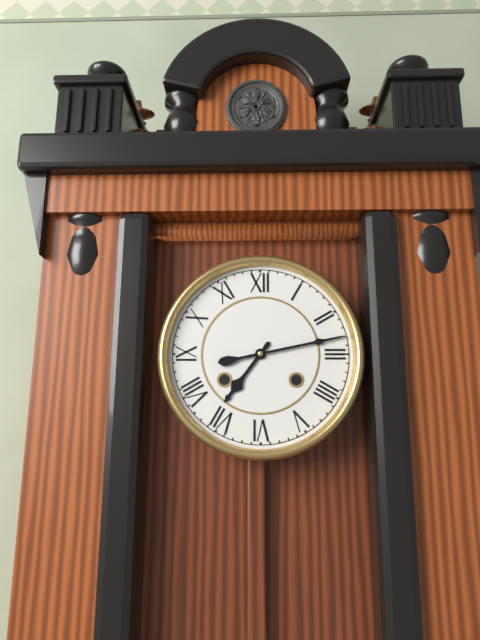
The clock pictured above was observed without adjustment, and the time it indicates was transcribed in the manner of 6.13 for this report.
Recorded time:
7.13
